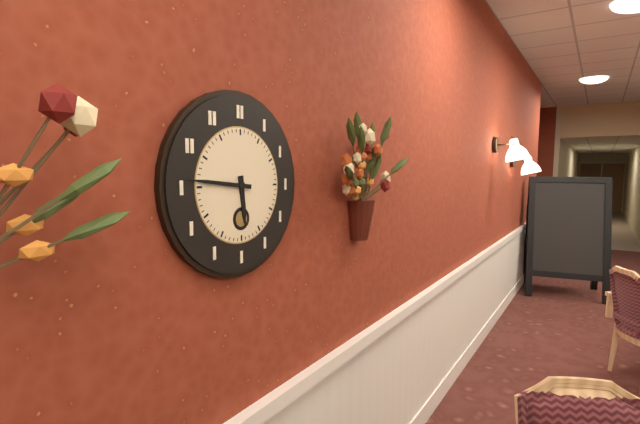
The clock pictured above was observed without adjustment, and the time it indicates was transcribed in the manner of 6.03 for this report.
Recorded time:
5.46
